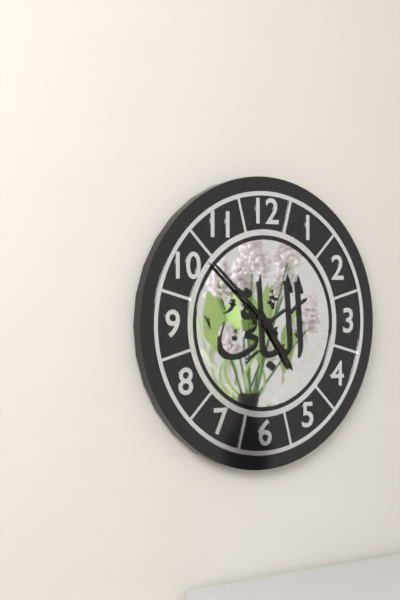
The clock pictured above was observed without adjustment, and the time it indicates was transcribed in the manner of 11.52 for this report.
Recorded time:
4.52
